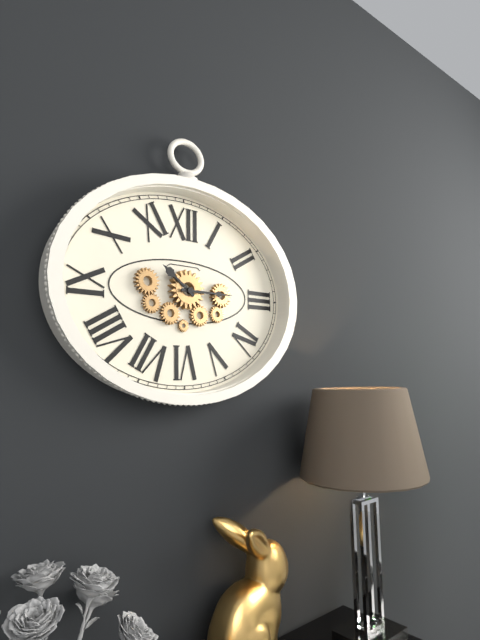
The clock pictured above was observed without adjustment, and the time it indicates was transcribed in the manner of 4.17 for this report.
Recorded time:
10.15
